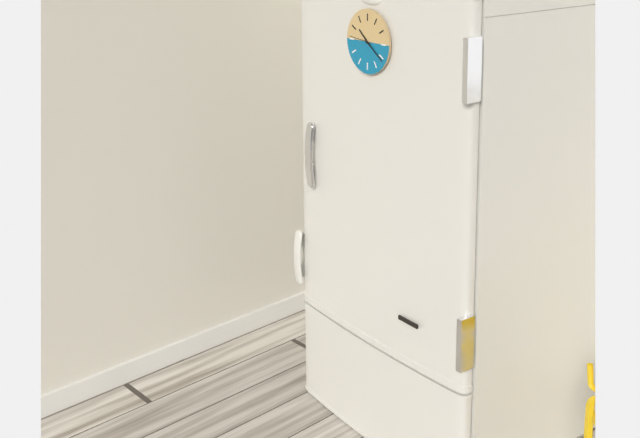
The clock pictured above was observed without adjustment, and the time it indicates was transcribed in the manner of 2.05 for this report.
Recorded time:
10.21
